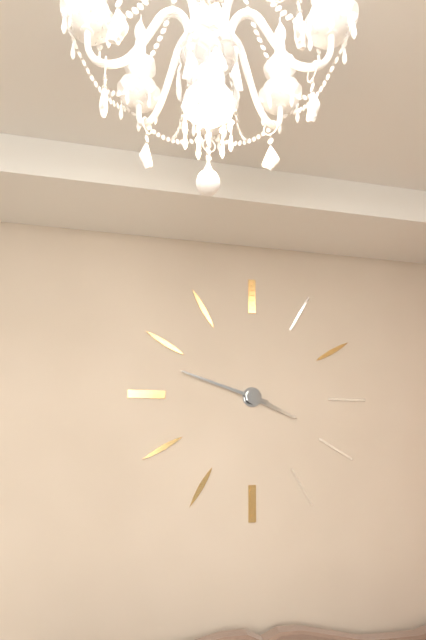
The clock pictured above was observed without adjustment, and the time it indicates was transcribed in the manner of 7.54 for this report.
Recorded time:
3.48
